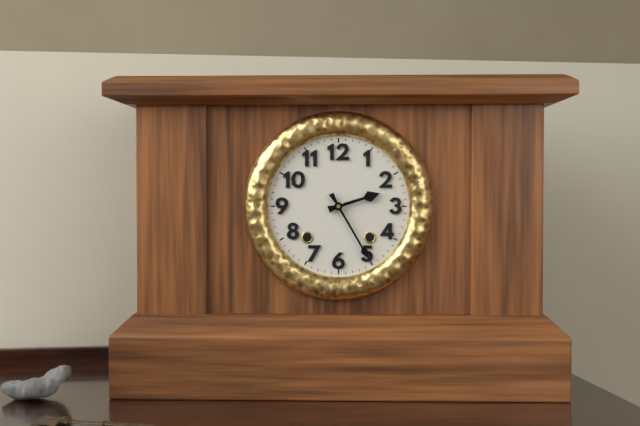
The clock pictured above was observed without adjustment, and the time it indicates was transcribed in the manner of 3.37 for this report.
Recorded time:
2.25
